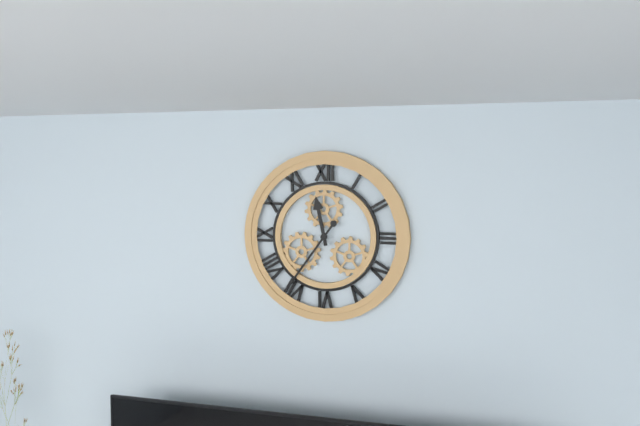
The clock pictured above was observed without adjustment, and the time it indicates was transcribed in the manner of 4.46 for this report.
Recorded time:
11.36
